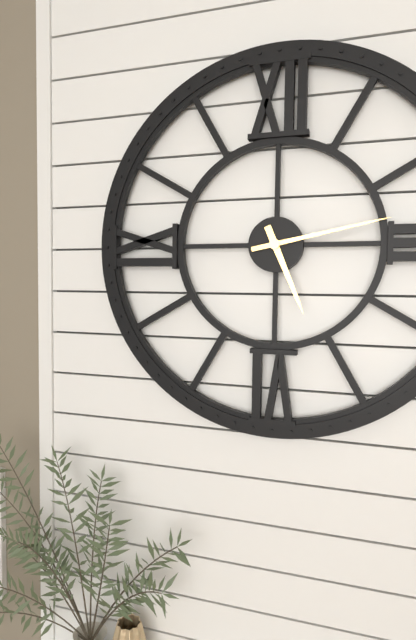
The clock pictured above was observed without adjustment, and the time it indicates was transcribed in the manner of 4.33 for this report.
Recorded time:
5.13
